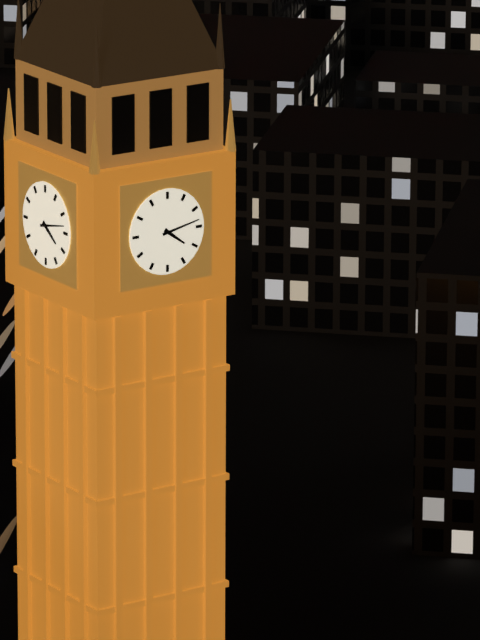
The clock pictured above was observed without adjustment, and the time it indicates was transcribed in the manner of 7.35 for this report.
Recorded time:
4.13
